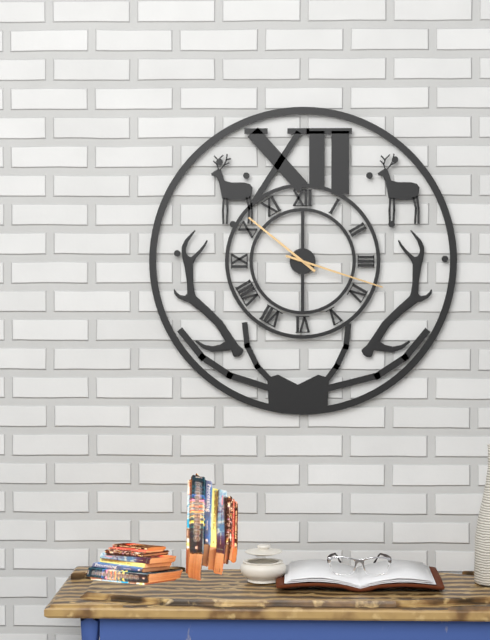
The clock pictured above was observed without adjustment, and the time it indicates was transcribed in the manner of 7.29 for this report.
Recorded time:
10.18
